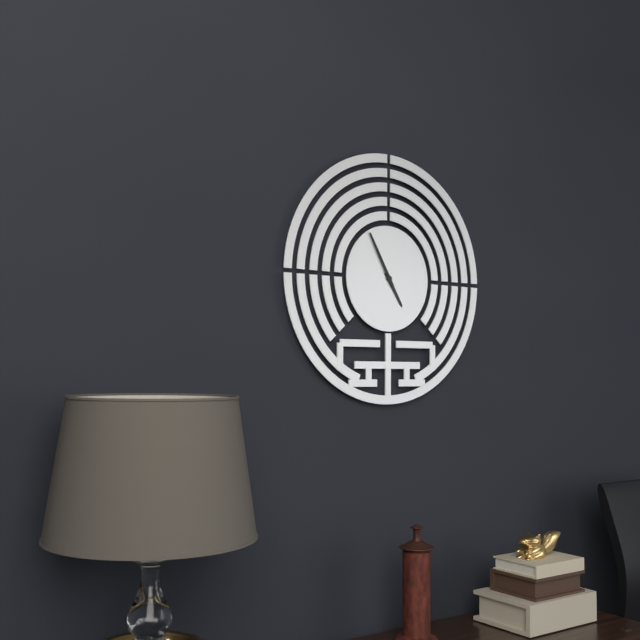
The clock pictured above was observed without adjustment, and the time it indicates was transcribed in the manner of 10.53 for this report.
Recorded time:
4.55
